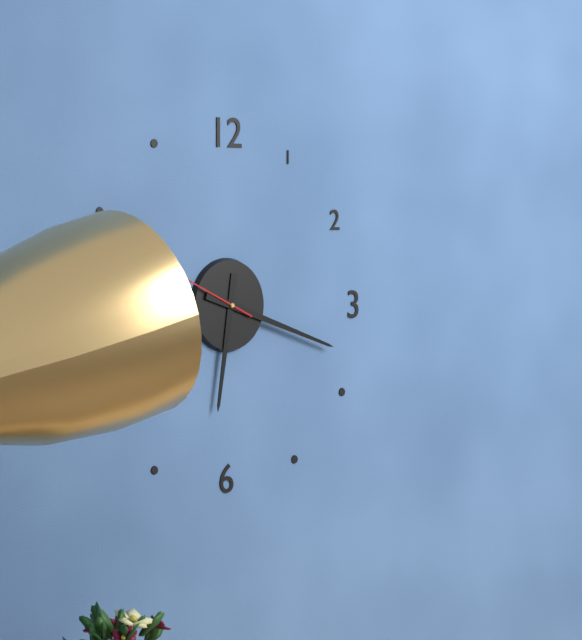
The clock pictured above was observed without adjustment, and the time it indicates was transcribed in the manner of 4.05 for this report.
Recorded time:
6.18
